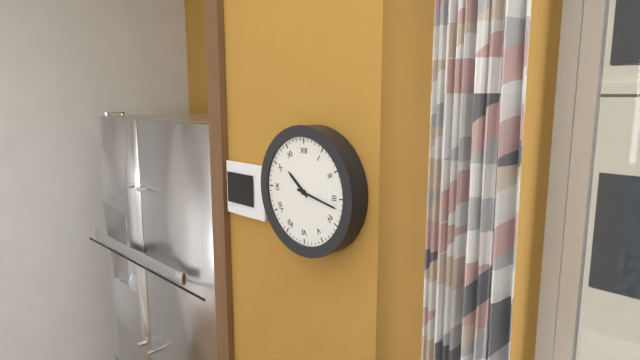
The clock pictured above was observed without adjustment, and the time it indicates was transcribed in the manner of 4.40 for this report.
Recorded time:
10.17
